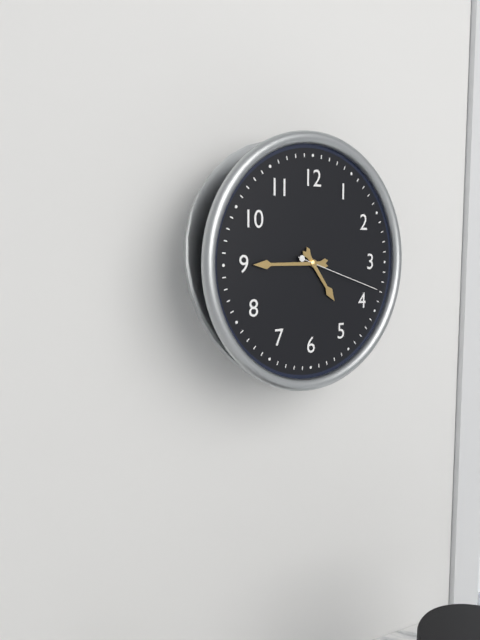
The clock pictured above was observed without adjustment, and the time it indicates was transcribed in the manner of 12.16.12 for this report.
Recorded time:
4.45.18
